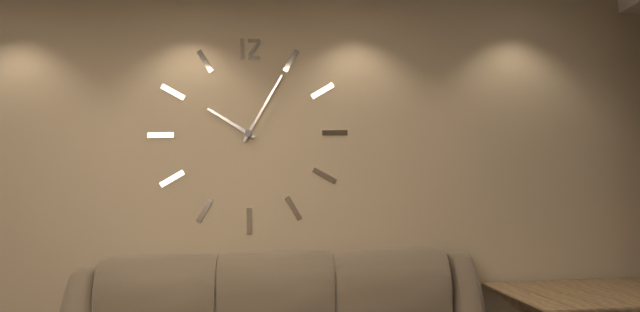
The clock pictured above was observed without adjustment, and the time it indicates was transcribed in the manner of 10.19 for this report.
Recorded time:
10.05
